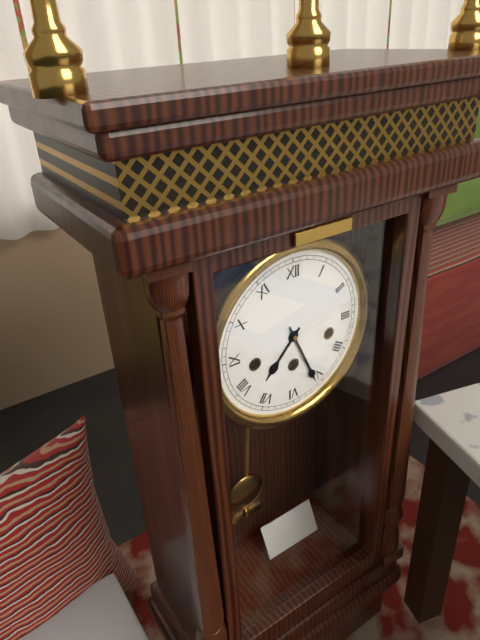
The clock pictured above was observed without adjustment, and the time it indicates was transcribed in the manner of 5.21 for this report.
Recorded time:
7.26
